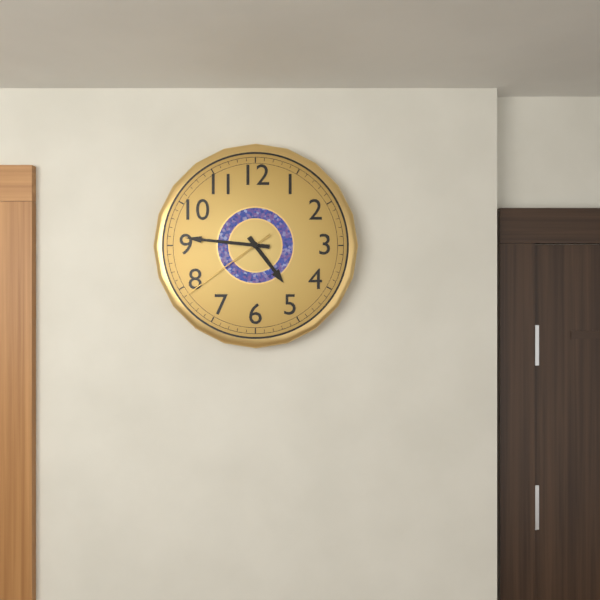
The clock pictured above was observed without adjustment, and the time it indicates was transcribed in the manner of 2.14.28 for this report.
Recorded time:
4.46.39
